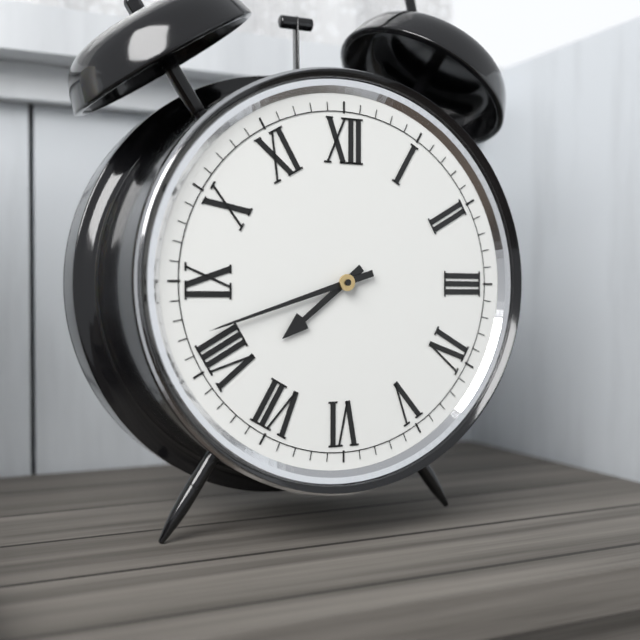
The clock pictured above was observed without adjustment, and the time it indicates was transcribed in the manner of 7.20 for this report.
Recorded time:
7.42
